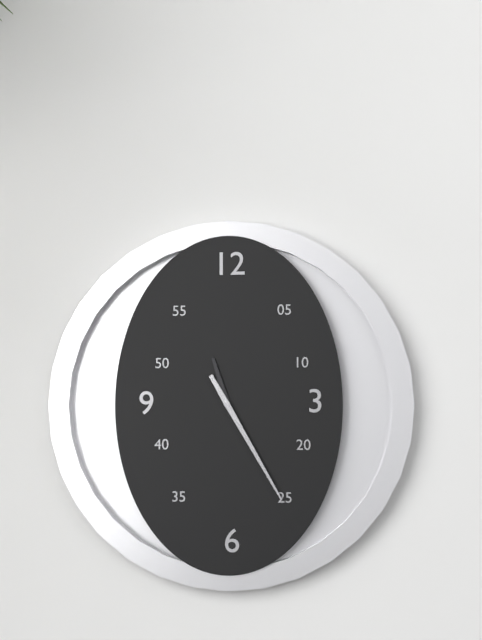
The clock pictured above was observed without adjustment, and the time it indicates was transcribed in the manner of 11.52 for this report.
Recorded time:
11.25
